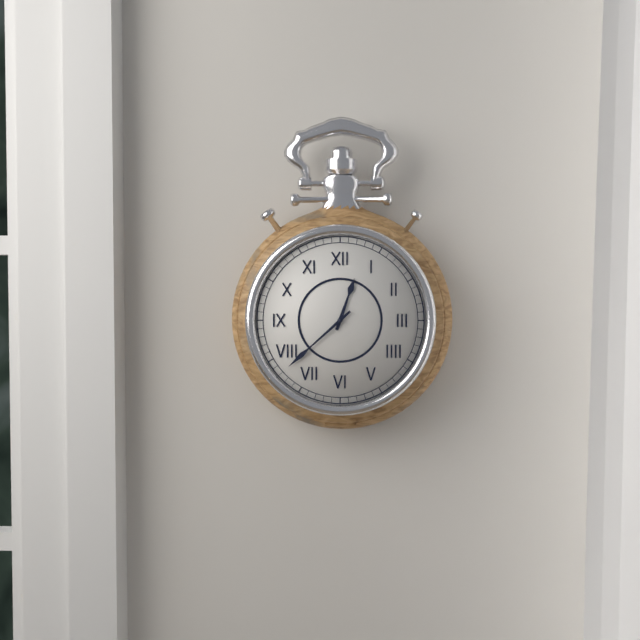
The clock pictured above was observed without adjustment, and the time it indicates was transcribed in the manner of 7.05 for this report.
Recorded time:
12.38
